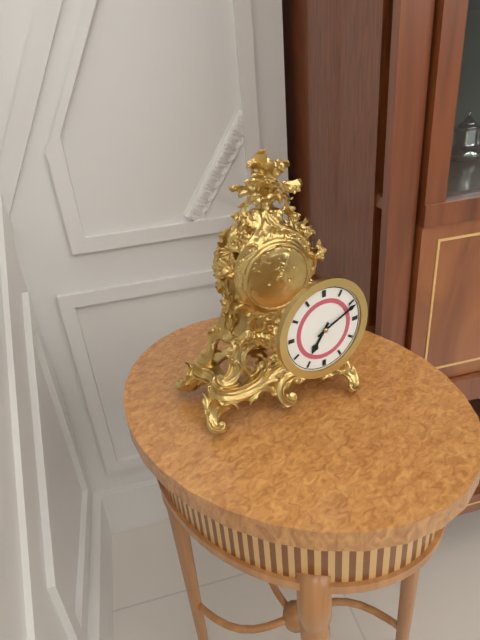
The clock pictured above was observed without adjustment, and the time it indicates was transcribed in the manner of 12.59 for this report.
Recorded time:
7.11
